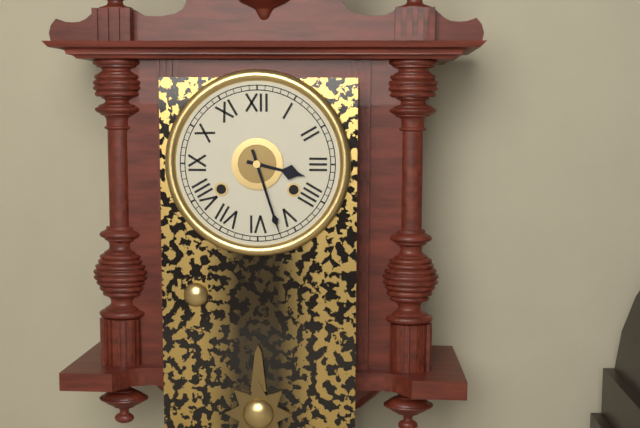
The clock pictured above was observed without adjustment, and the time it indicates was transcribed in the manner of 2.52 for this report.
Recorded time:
3.27
